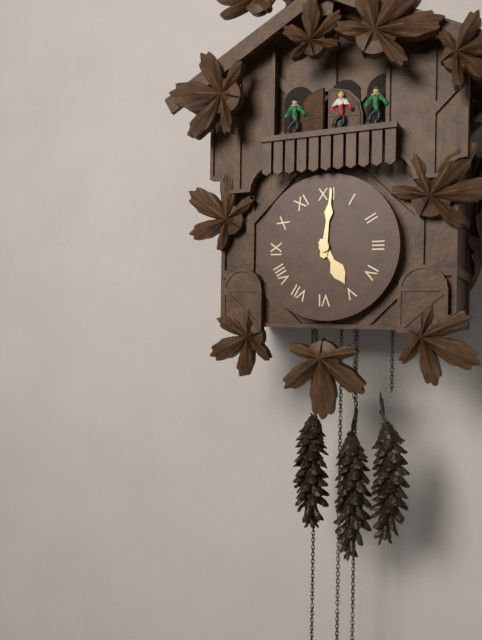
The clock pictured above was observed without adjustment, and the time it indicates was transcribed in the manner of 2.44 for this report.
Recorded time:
5.01
